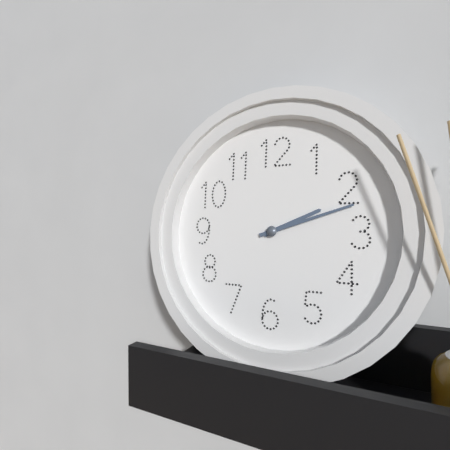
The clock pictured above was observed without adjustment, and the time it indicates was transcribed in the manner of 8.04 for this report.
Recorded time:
2.12
